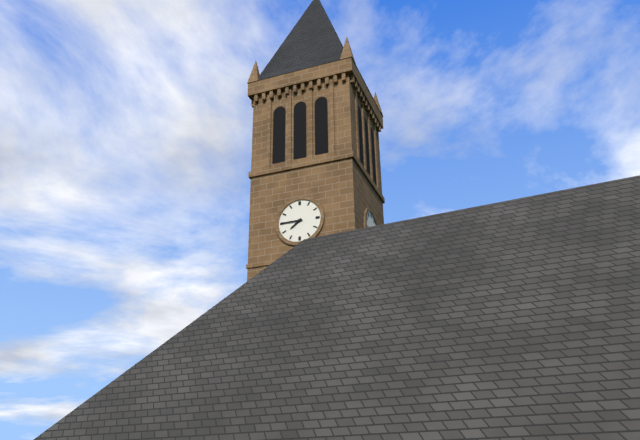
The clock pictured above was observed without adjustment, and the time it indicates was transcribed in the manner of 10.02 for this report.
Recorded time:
7.45
